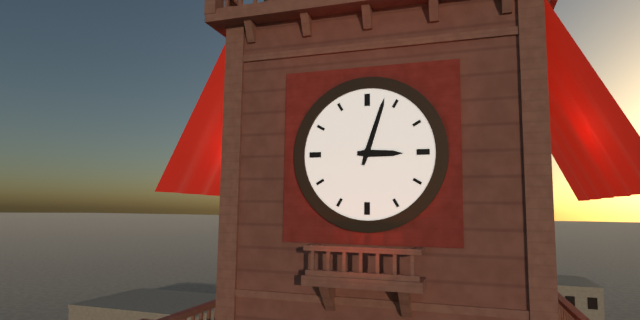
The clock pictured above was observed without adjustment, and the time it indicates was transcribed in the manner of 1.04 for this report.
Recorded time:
3.03
